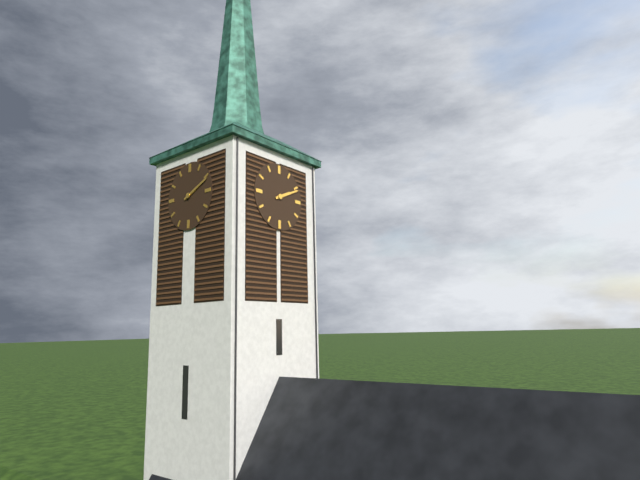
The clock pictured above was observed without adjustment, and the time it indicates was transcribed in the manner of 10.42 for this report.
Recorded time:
2.11
